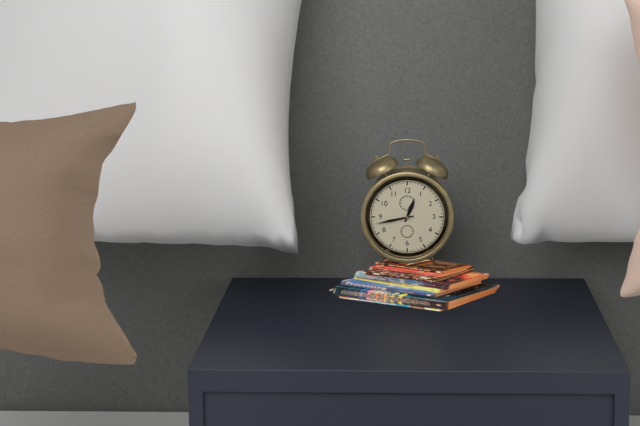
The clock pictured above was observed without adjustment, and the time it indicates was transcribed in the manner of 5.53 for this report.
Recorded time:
12.43
